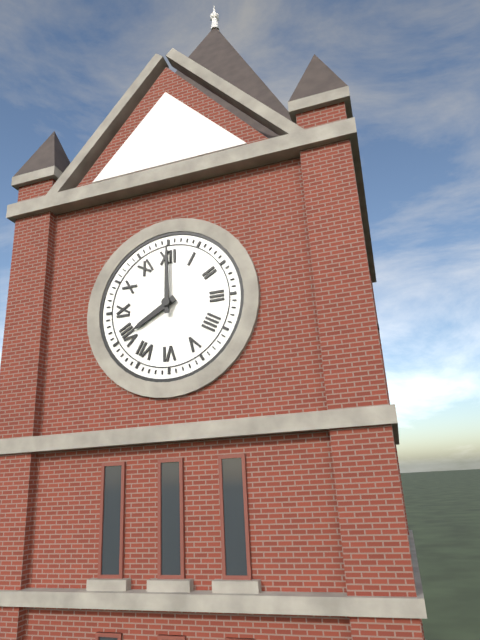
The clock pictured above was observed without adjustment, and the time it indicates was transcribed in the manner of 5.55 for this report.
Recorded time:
8.00
